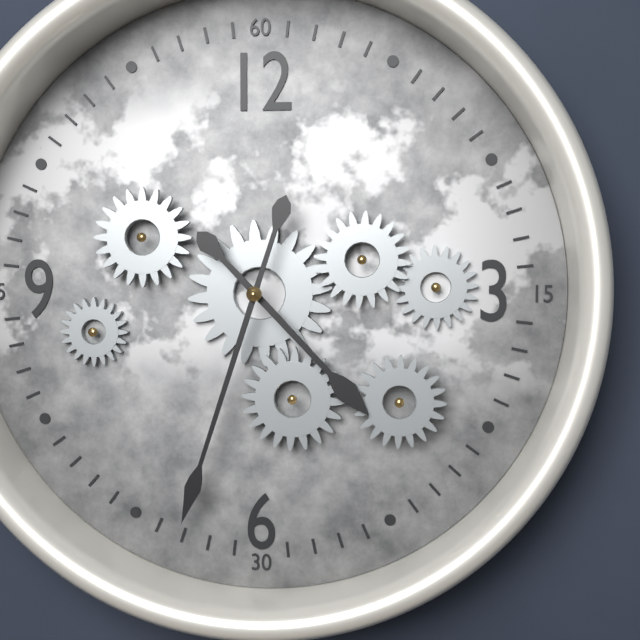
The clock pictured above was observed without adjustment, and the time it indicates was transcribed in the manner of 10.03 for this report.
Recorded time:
4.33
